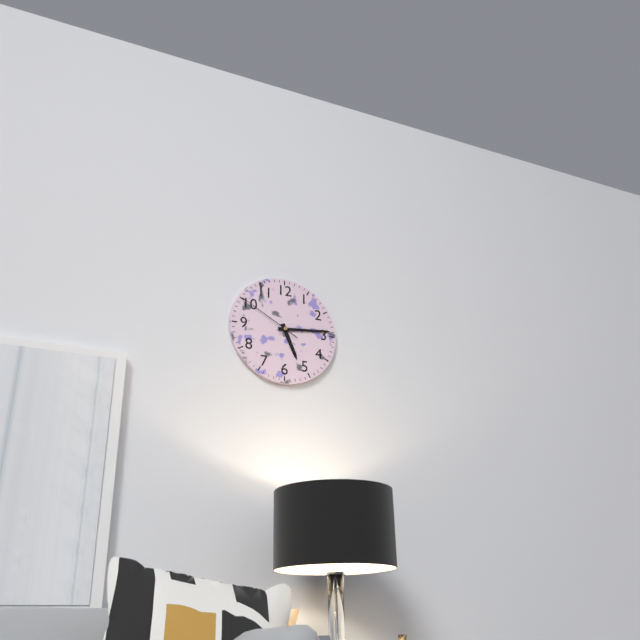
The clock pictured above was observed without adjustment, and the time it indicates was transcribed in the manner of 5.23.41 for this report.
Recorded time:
5.14.50
